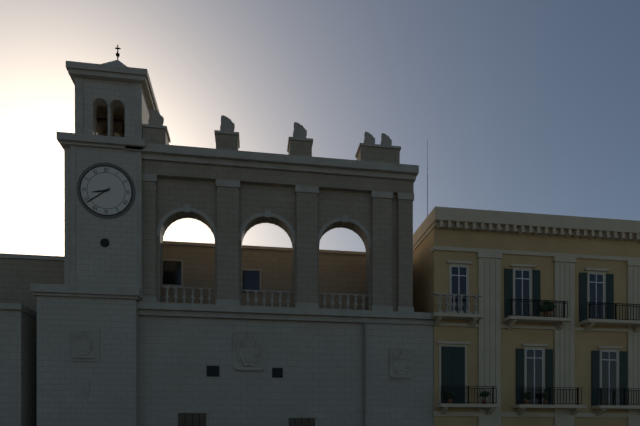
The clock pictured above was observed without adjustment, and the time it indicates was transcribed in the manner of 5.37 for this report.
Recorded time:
8.39
